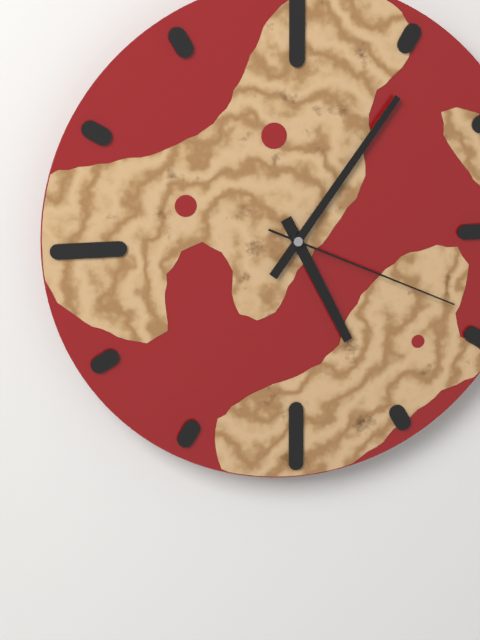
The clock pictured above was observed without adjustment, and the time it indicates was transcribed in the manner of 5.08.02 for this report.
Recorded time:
5.06.19
